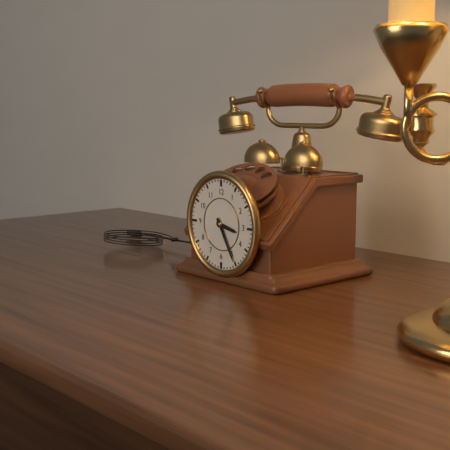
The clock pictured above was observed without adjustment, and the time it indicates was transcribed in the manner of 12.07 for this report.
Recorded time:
3.25
